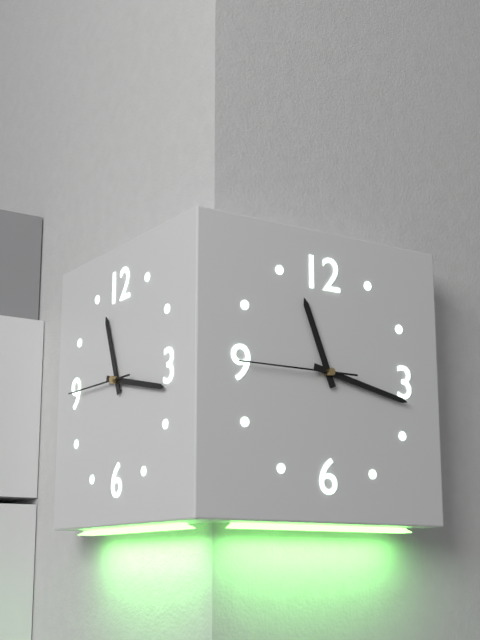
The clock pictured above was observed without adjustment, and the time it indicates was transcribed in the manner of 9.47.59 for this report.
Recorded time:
11.17.45
